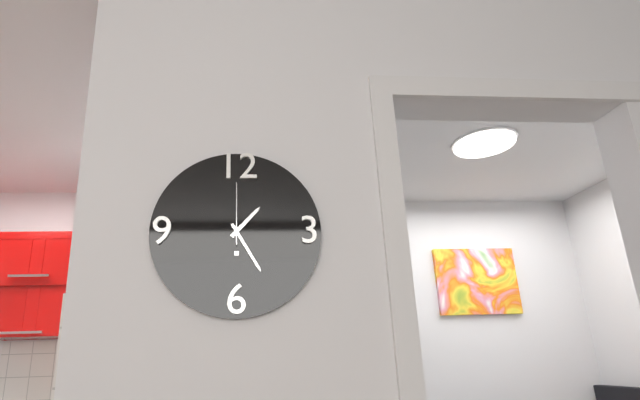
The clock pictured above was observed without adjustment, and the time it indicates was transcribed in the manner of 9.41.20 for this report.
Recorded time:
1.25.00
